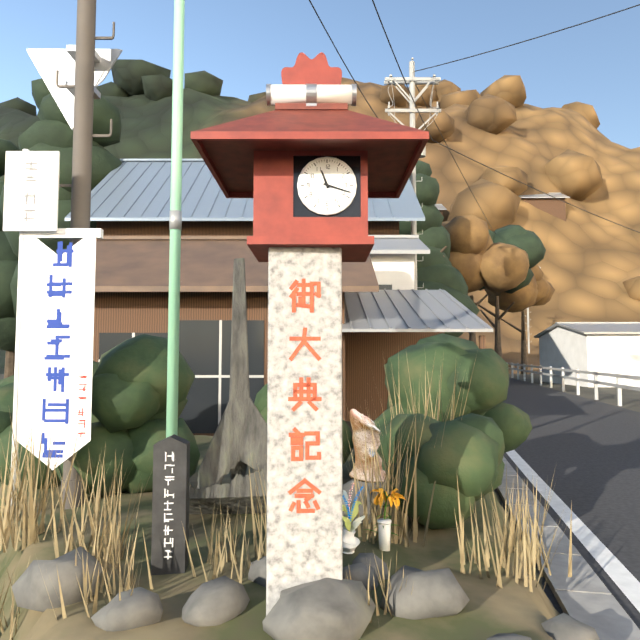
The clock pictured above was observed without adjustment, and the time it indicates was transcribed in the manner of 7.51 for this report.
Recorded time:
11.18
